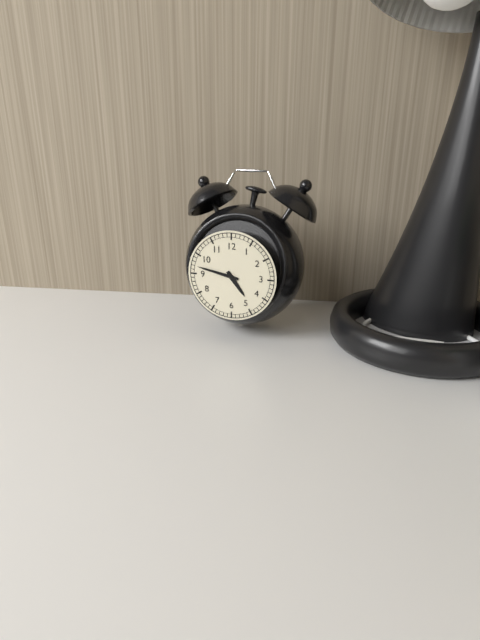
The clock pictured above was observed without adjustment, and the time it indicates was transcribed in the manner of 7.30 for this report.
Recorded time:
4.47
